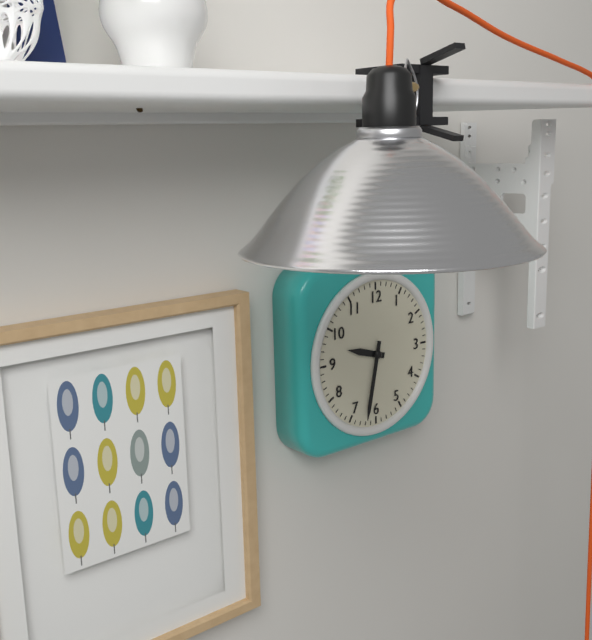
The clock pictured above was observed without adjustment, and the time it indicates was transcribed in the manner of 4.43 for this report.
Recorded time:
9.32
